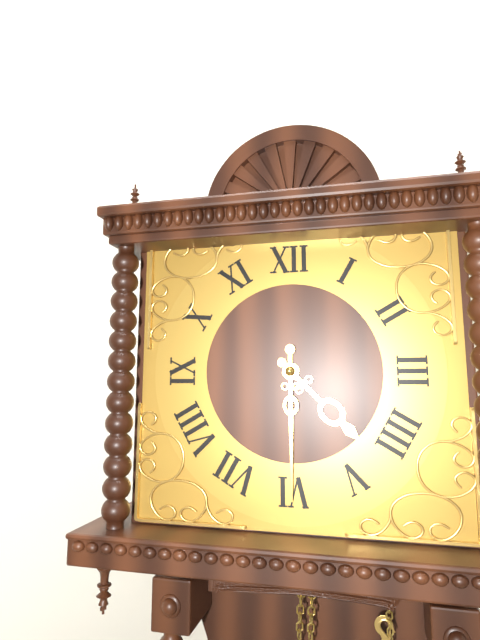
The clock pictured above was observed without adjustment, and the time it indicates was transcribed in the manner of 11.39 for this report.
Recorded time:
4.30
